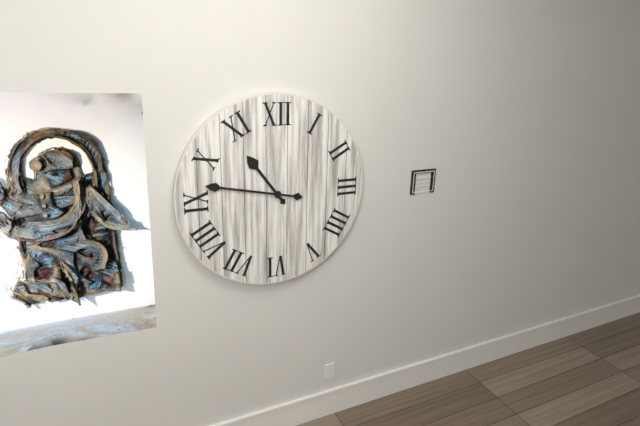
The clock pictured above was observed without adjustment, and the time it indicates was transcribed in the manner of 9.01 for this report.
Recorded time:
10.47
